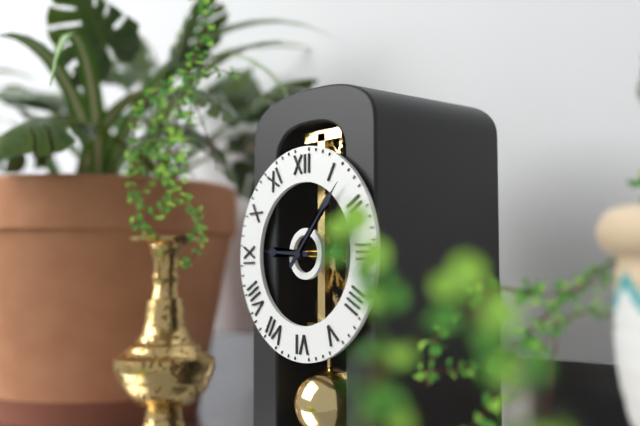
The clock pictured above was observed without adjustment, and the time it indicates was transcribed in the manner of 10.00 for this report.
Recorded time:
9.07
